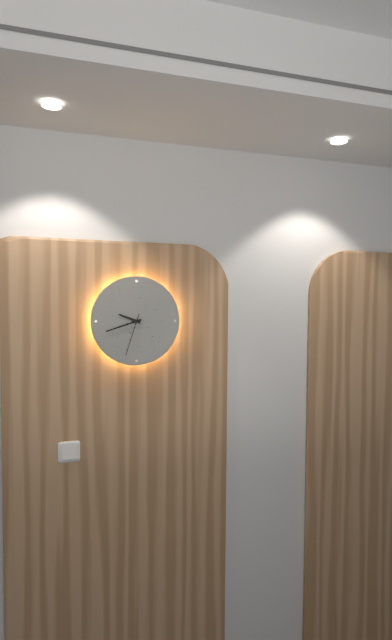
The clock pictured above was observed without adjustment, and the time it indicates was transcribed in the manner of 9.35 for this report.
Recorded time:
9.42
